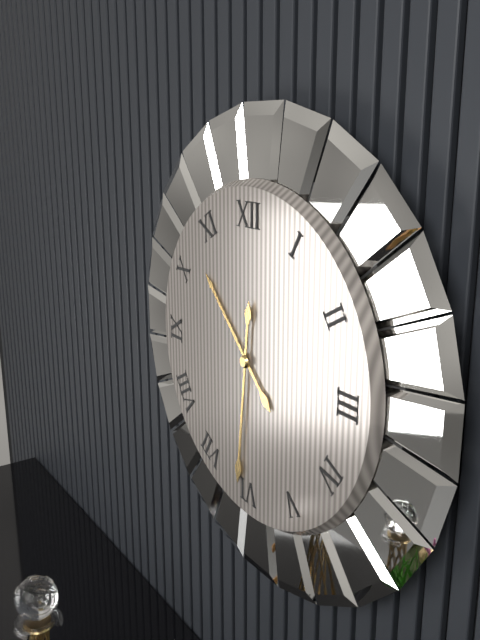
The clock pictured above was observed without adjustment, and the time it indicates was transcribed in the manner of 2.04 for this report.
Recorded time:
10.31
